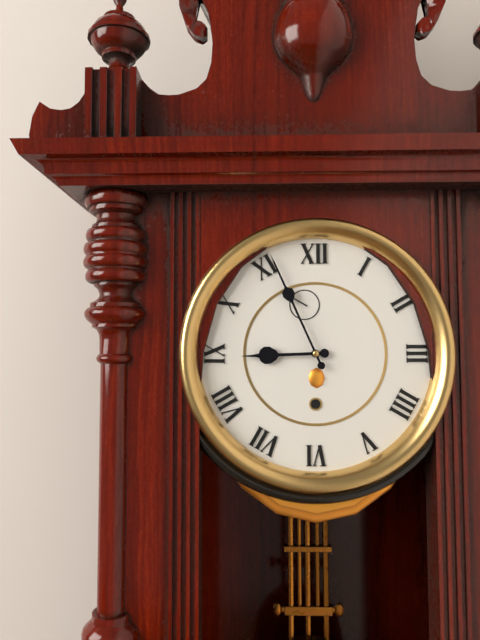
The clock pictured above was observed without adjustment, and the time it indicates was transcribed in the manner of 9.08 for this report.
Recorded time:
8.56
